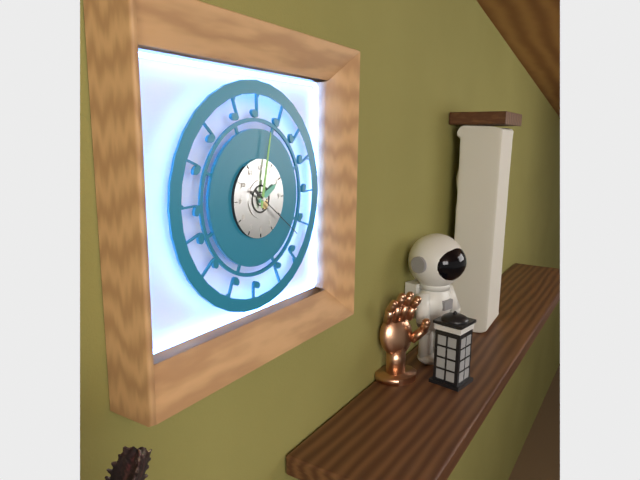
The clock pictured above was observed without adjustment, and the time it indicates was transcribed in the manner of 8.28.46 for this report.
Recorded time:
2.02.21
